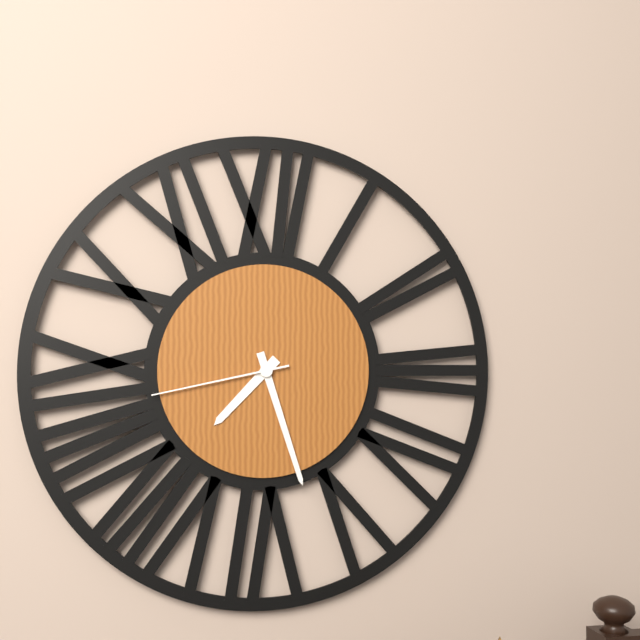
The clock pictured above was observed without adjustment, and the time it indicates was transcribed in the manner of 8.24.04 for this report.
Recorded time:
7.27.43
